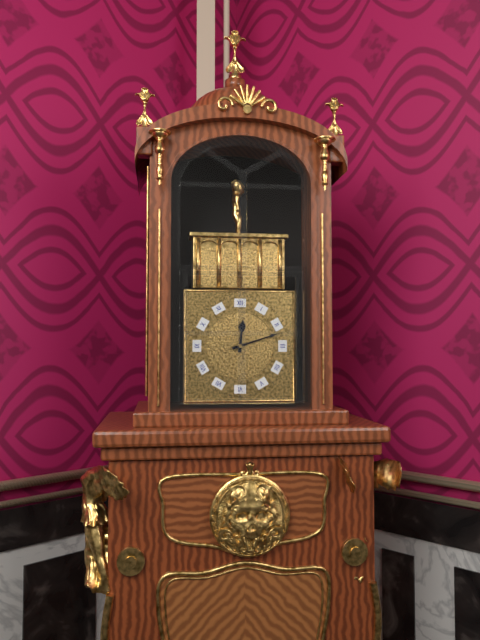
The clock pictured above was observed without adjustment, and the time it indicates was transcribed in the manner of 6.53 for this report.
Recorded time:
12.12
